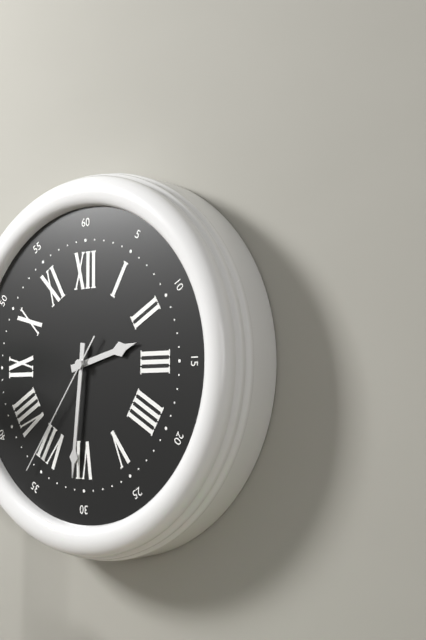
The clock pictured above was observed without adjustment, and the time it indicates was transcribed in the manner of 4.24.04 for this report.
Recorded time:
2.31.36
